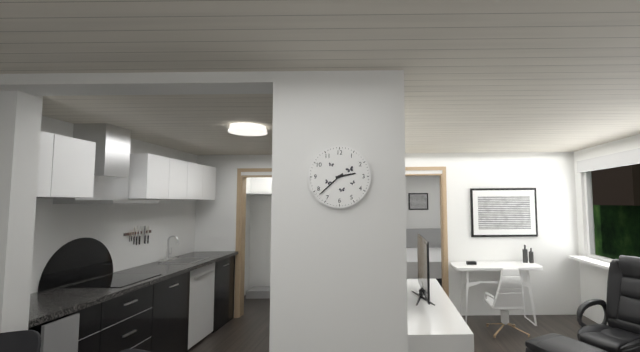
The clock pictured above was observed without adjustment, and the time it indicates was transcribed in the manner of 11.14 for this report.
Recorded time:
2.38
